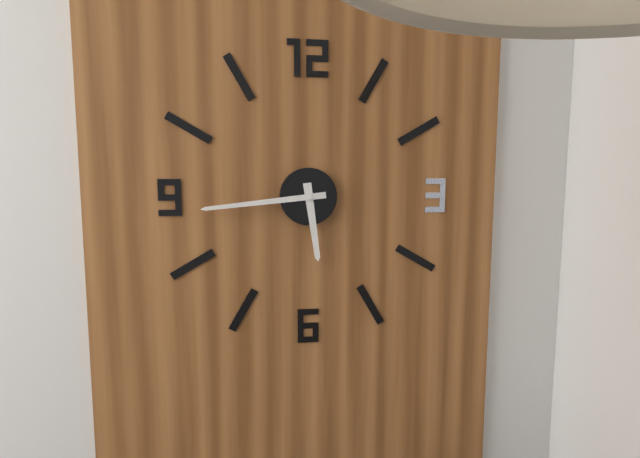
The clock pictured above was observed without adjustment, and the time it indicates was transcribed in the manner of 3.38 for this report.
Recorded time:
5.44
